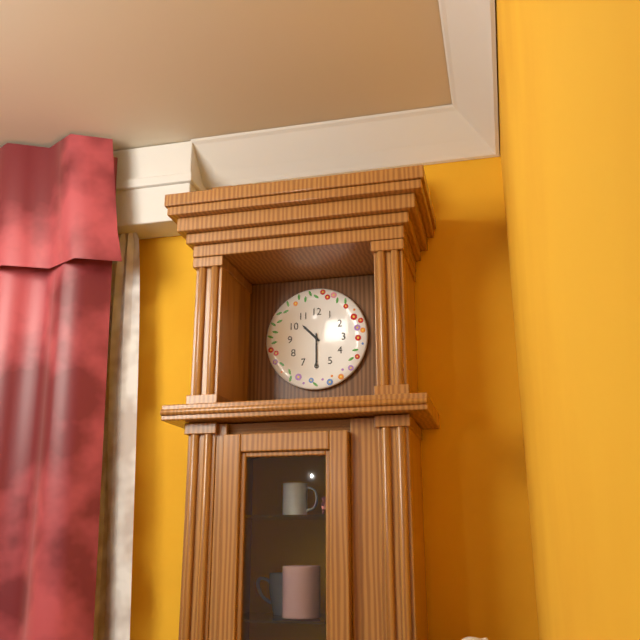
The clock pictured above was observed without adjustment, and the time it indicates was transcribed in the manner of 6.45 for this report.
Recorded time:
10.30
